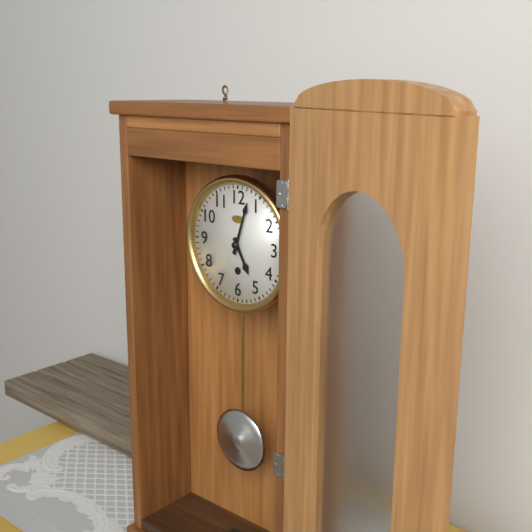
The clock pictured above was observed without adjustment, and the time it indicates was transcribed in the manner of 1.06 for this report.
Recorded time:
5.03
